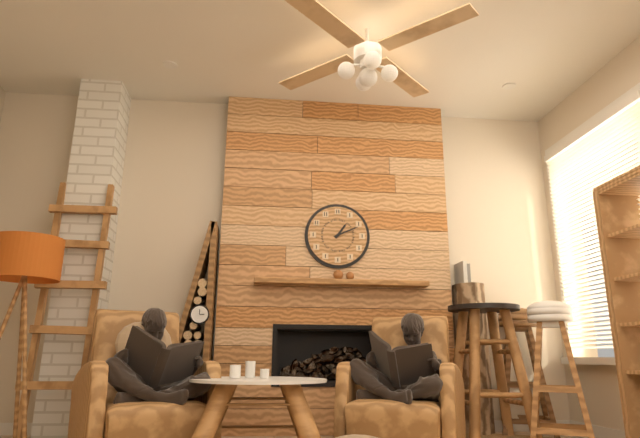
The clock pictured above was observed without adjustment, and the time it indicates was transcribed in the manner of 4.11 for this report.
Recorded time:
1.11
